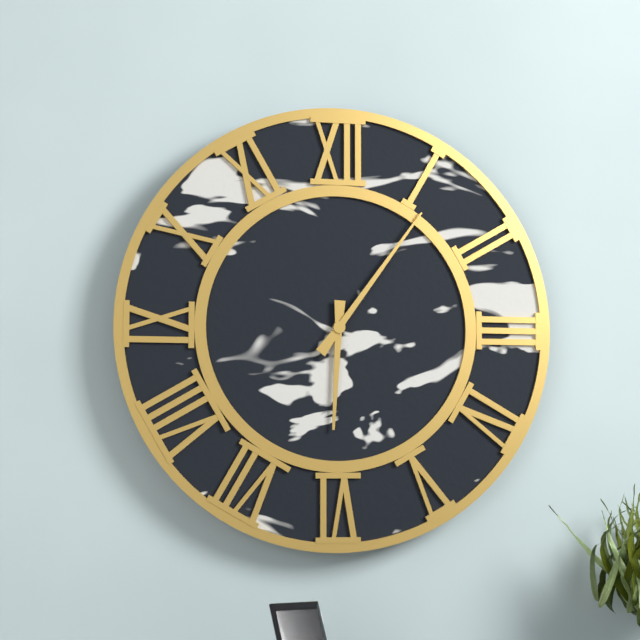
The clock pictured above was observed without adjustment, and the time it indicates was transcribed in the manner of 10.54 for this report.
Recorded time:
6.06
